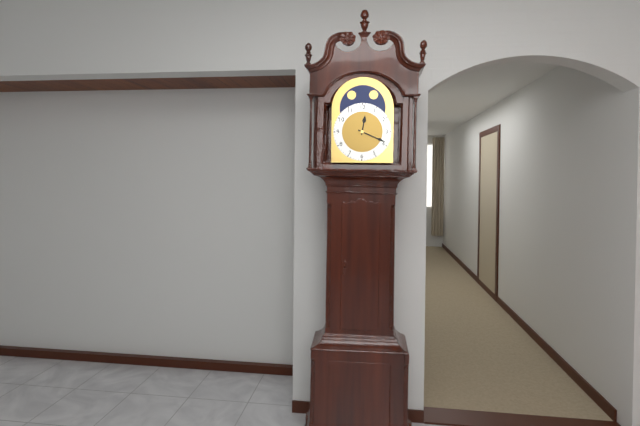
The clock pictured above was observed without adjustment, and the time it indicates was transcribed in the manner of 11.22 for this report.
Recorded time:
12.19
